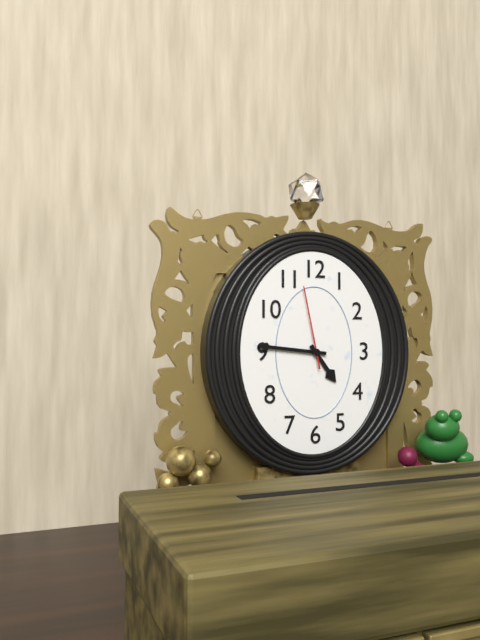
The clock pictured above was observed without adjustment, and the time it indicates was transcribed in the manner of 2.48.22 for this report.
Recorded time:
4.46.58
